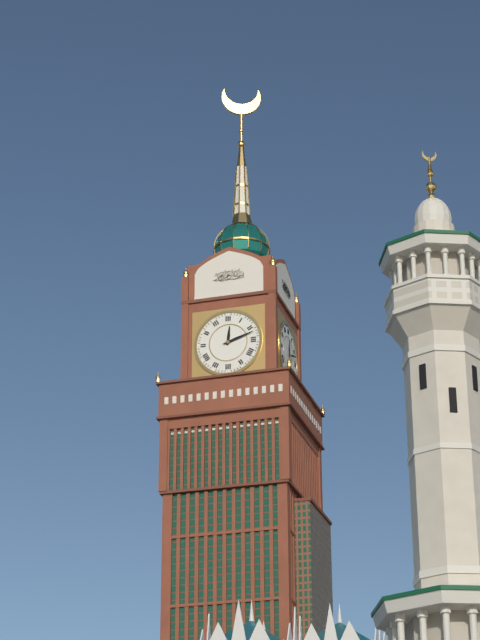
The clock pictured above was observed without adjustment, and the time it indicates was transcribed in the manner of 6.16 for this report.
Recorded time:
12.12
